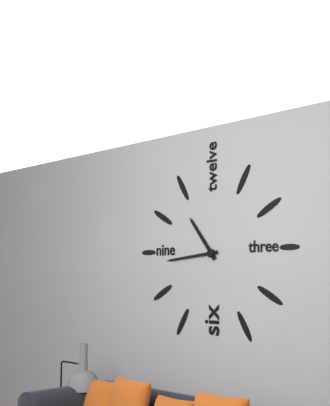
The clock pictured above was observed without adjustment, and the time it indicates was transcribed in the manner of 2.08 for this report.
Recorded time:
10.44
